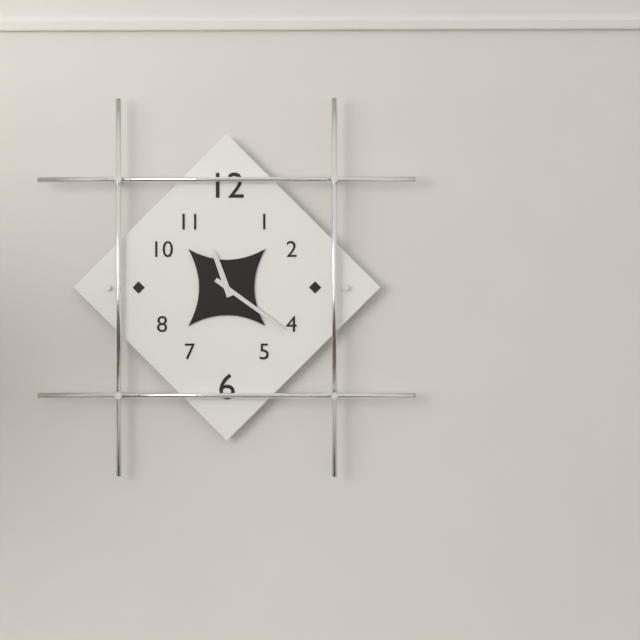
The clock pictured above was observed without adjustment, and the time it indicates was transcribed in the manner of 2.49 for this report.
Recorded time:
11.21
